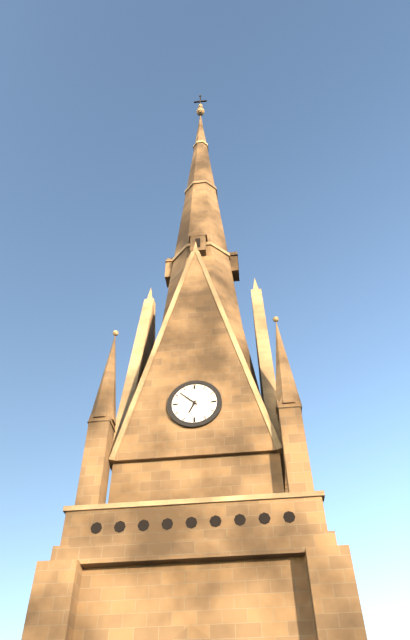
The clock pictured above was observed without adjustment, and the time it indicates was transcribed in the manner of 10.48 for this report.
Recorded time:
6.52
